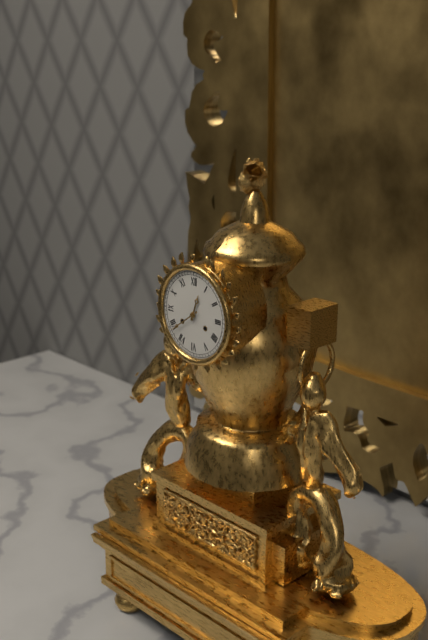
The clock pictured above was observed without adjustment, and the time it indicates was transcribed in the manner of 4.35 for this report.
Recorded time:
12.39
